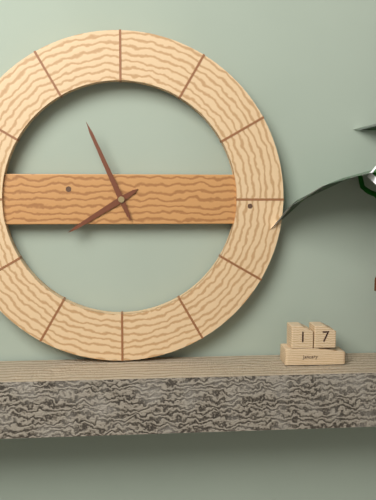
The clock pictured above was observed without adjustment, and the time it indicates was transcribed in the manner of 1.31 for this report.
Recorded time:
7.56
